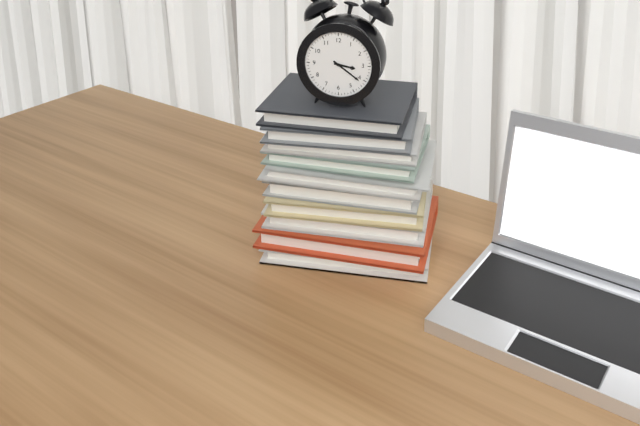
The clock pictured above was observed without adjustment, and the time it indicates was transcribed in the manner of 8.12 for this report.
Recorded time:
3.21
